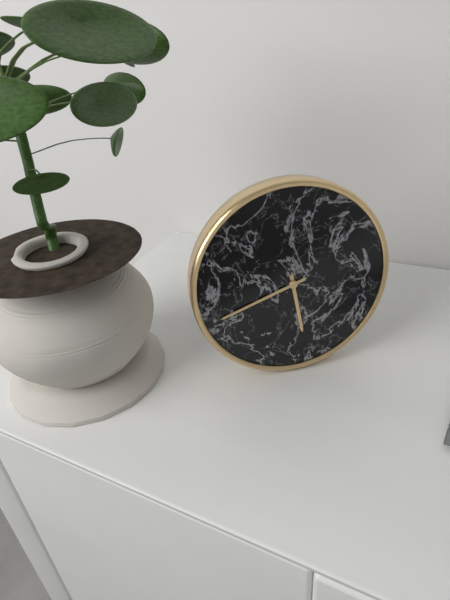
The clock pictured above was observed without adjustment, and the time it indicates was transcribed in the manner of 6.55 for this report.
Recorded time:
5.42
